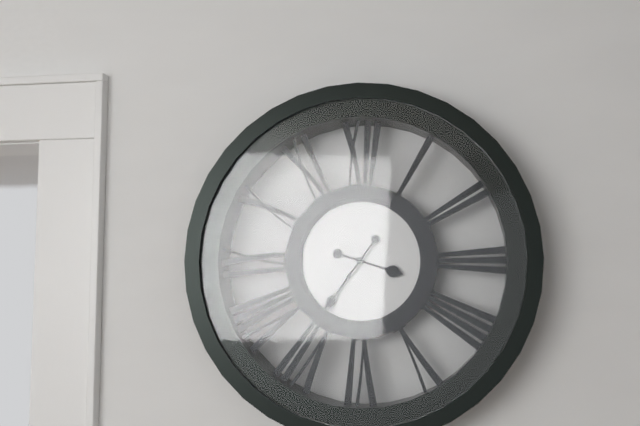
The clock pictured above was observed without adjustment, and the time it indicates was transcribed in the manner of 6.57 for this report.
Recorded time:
3.36
